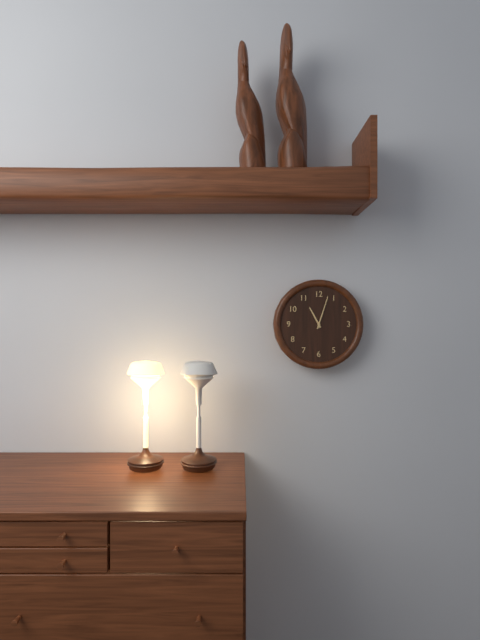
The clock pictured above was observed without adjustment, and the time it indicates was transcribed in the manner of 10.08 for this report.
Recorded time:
11.03
